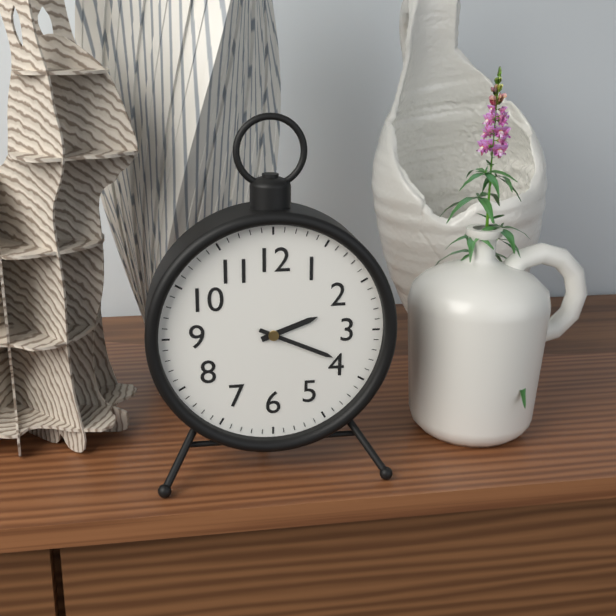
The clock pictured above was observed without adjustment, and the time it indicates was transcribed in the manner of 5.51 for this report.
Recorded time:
2.19
